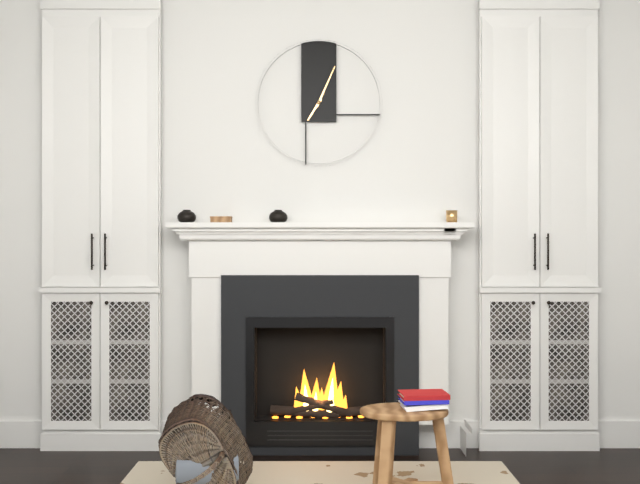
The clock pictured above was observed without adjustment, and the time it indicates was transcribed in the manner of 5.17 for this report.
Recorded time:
7.04
